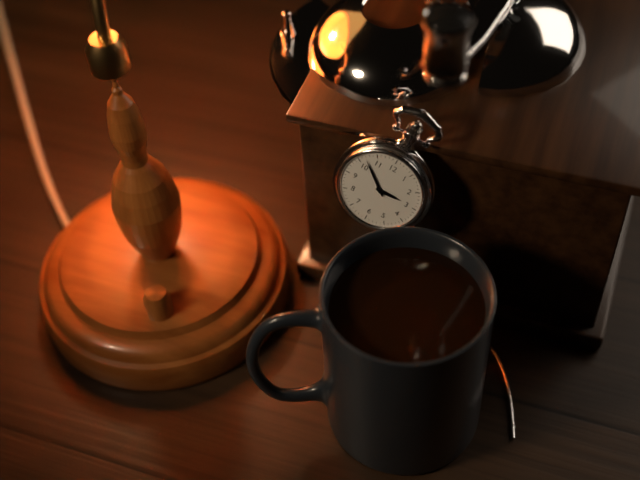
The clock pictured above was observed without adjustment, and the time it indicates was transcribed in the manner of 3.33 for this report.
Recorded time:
2.52
